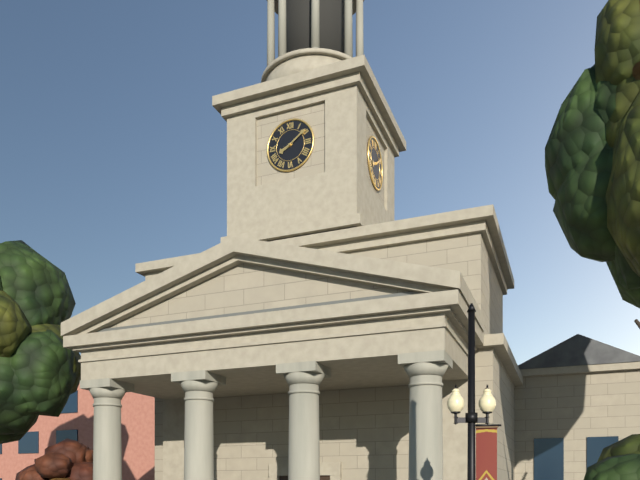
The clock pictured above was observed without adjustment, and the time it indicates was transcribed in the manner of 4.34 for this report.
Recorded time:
8.09
